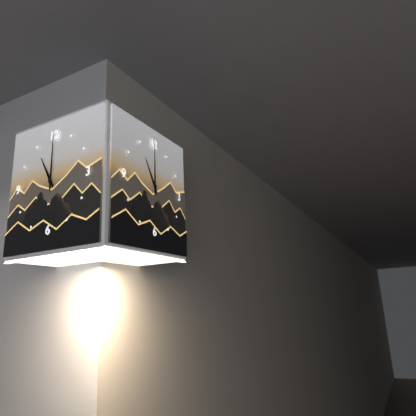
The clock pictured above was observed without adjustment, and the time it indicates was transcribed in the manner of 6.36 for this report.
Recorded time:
11.00
